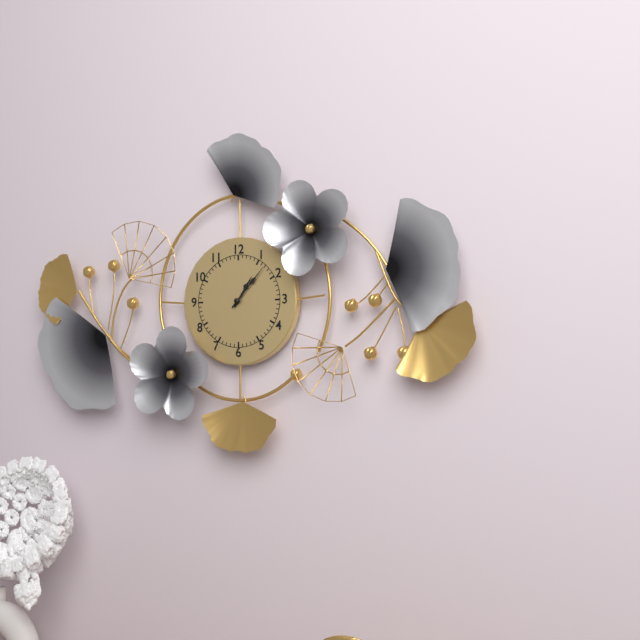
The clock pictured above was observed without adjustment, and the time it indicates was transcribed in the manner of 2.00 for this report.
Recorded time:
1.07
